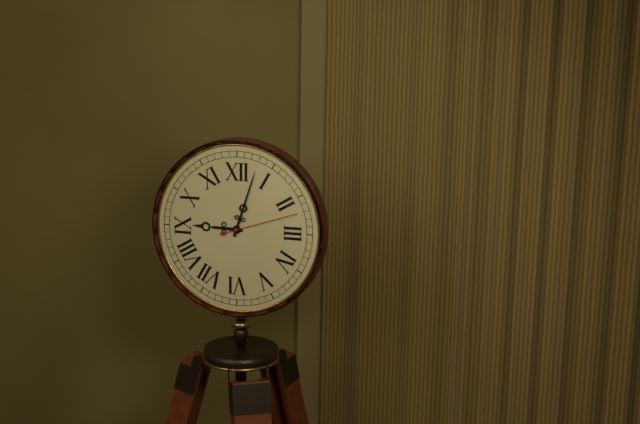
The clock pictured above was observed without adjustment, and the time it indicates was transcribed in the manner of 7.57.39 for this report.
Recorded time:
9.03.12
